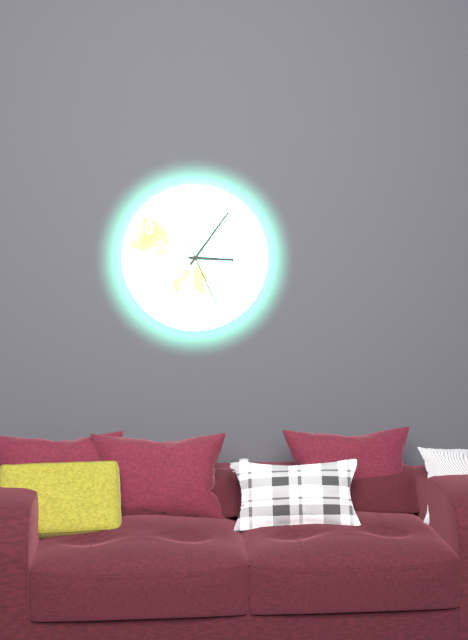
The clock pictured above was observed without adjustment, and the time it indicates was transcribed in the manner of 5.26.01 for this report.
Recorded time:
3.06.26
